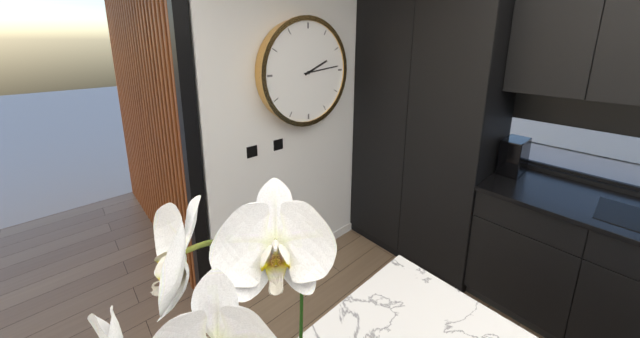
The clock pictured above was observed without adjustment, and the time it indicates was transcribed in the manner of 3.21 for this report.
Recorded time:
2.14
